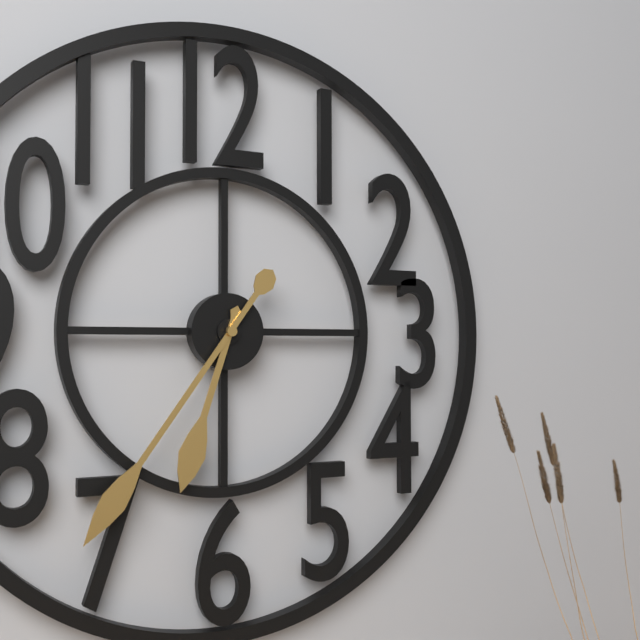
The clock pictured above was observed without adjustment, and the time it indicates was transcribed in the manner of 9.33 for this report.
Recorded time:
6.36
